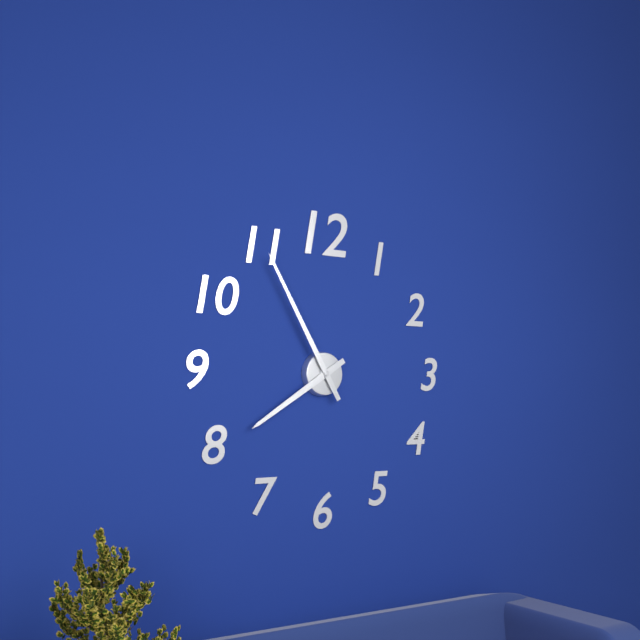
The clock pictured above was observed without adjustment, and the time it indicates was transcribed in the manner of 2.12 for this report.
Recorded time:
7.55
